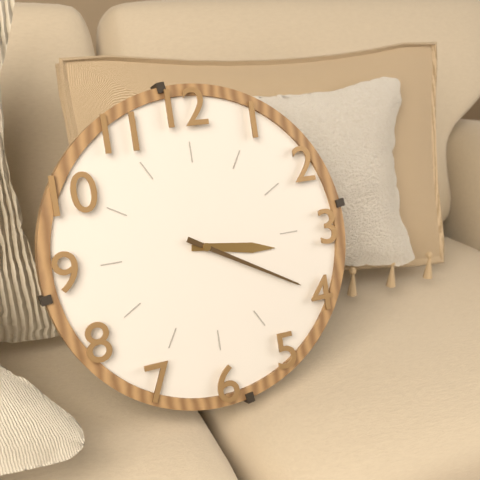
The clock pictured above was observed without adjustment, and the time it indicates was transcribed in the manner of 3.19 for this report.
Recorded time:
3.20
